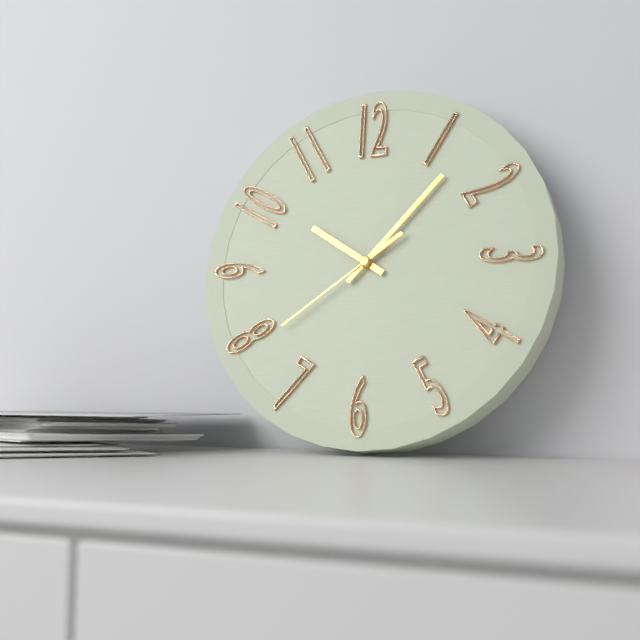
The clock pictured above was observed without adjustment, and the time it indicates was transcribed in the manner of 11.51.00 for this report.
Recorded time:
10.07.39
